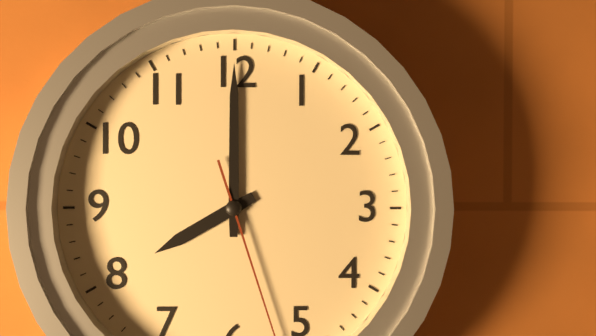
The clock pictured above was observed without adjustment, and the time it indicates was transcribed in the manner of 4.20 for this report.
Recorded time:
8.00
